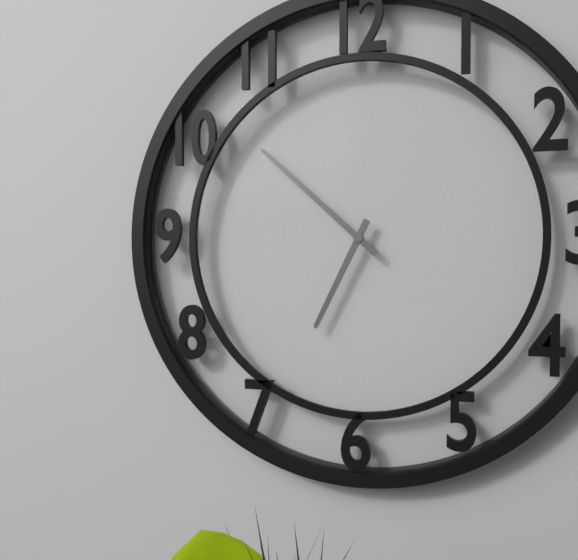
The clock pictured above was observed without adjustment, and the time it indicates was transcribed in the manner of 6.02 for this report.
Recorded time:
6.52
